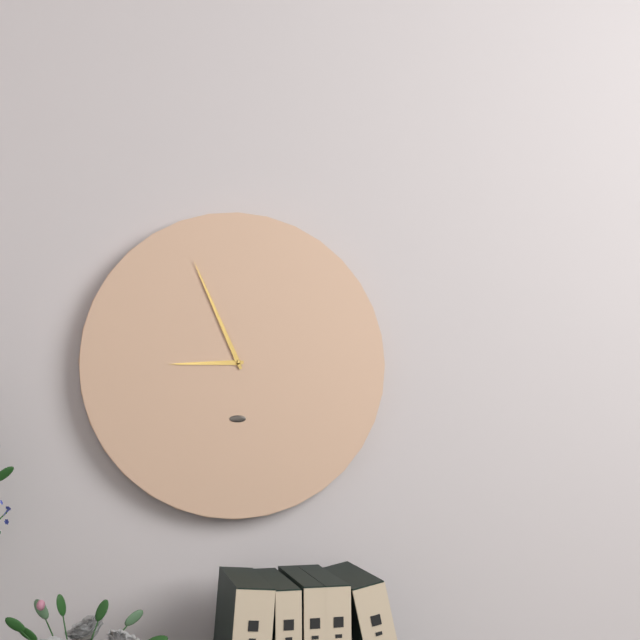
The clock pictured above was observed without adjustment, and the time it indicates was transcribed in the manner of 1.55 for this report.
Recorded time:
8.56
